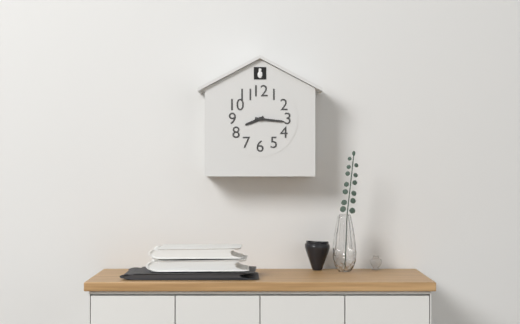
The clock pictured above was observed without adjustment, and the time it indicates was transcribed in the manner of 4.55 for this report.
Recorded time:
8.16
